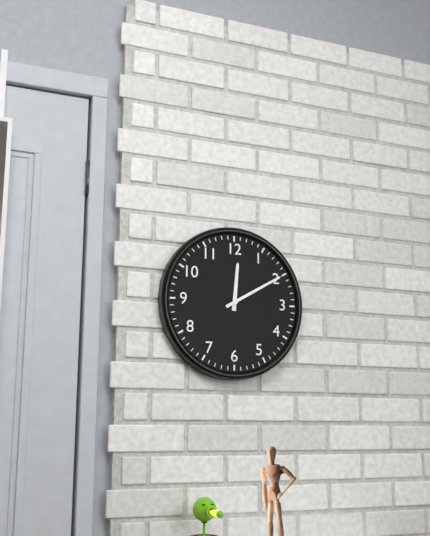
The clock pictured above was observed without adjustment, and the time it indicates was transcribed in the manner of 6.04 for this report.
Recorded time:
12.10
